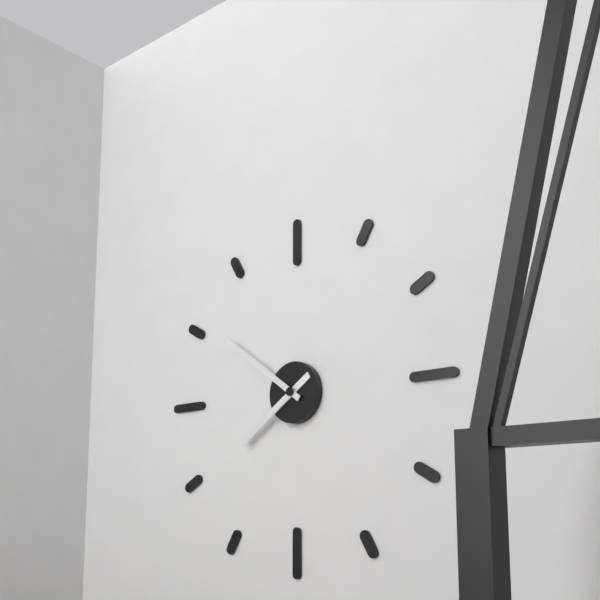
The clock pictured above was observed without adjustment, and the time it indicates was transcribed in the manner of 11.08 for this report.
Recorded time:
7.51
